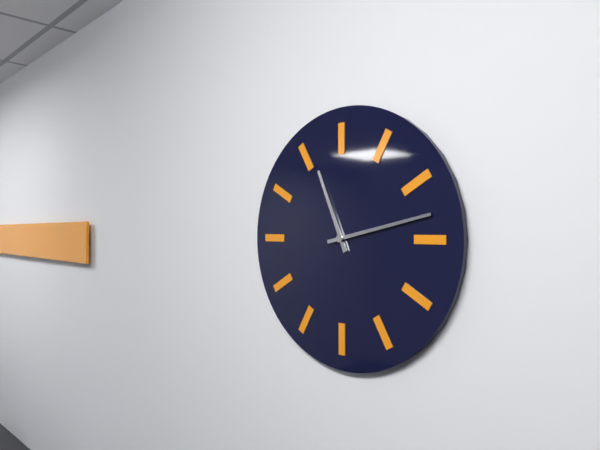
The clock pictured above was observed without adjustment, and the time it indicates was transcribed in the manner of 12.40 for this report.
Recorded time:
11.13
